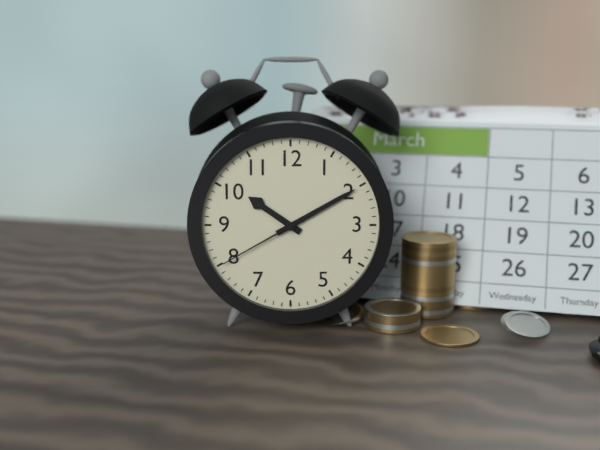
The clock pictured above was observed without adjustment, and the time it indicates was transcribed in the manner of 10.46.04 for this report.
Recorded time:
10.10.40
